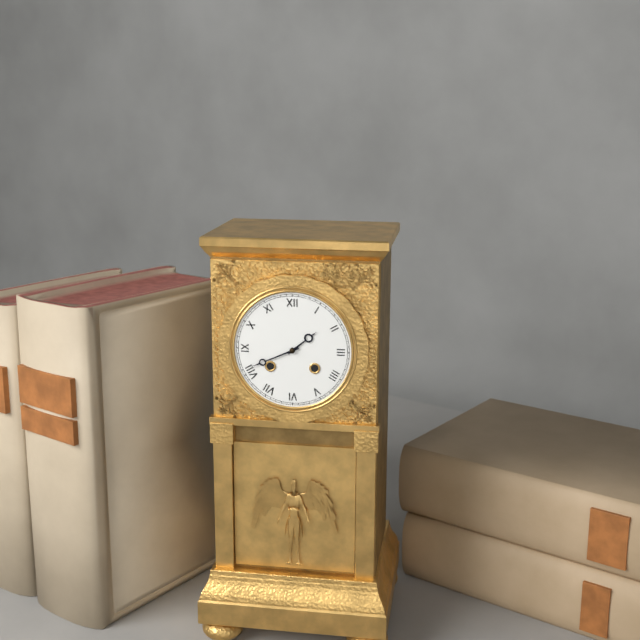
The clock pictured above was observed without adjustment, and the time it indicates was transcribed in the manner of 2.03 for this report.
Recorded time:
1.41
